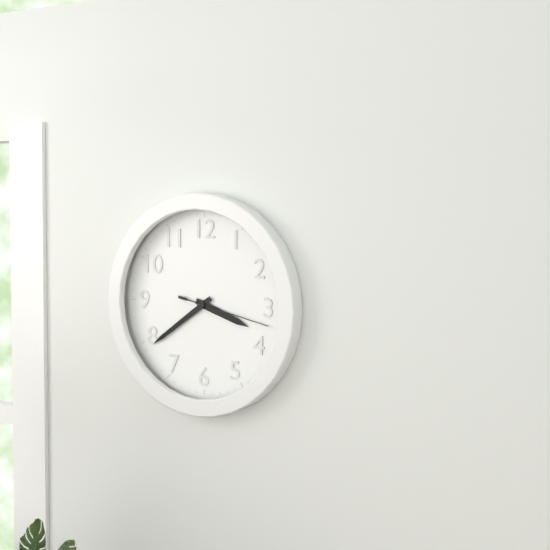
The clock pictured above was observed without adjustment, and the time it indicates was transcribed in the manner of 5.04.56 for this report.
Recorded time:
3.39.17
